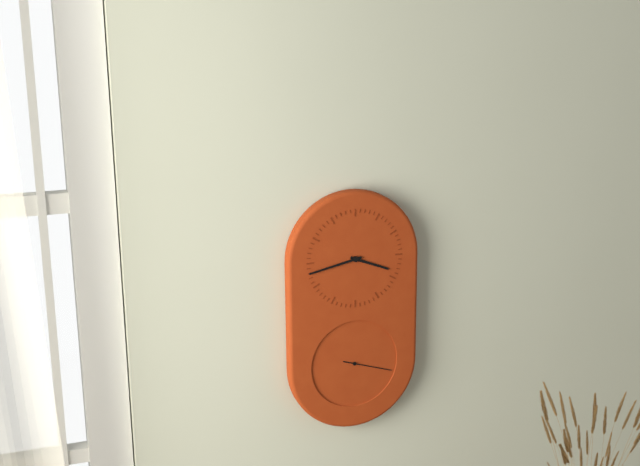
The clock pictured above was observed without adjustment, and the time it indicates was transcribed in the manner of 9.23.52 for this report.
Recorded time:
3.43.18
